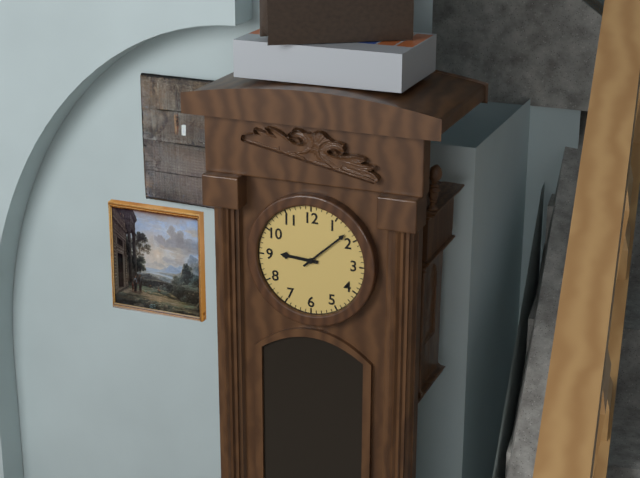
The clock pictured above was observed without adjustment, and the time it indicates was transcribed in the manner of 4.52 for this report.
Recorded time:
9.08
